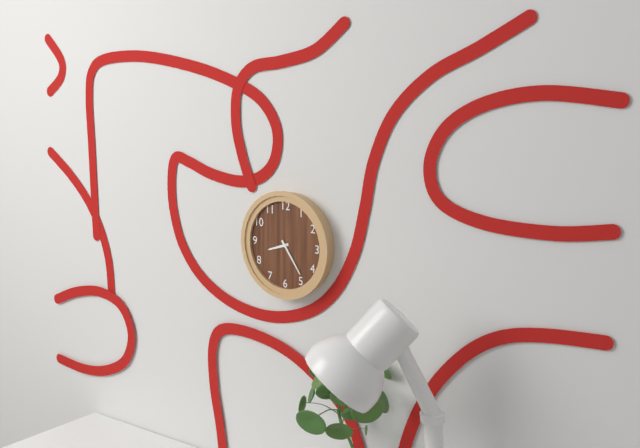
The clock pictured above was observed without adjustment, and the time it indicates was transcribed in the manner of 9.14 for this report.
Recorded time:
8.24
